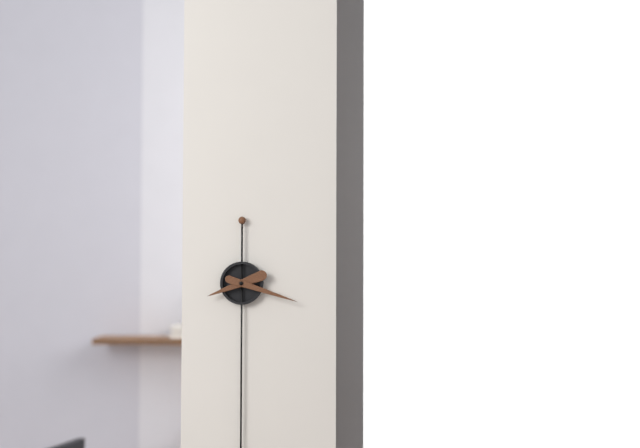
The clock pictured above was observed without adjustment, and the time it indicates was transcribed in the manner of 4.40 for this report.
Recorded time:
8.18
